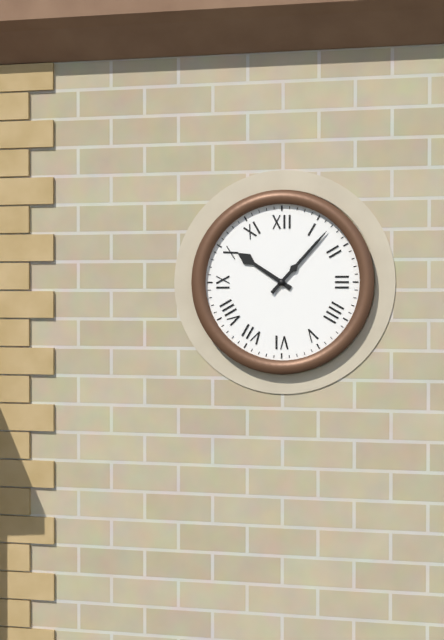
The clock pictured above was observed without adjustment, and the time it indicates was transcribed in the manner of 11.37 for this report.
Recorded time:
10.07
